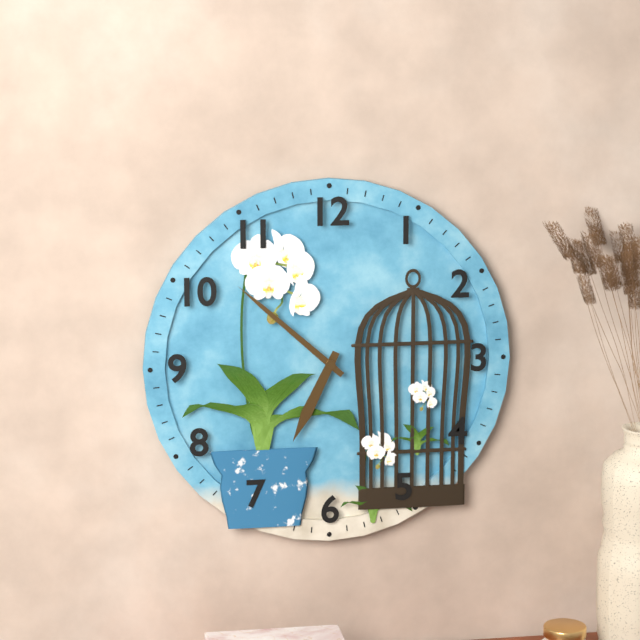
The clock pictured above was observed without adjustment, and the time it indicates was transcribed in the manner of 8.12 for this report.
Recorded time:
6.52
